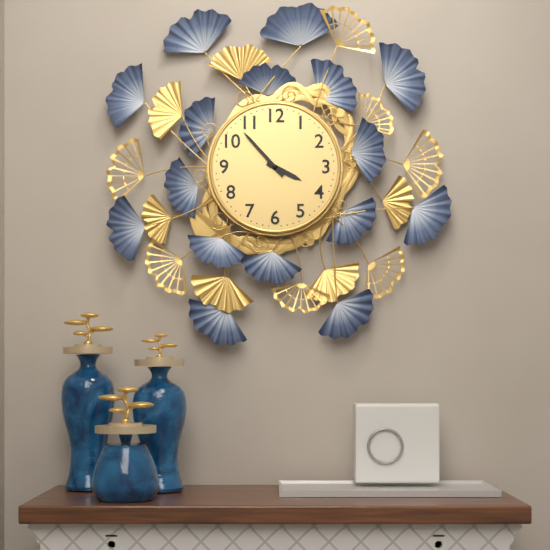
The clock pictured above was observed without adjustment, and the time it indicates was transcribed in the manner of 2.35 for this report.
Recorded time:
3.53
